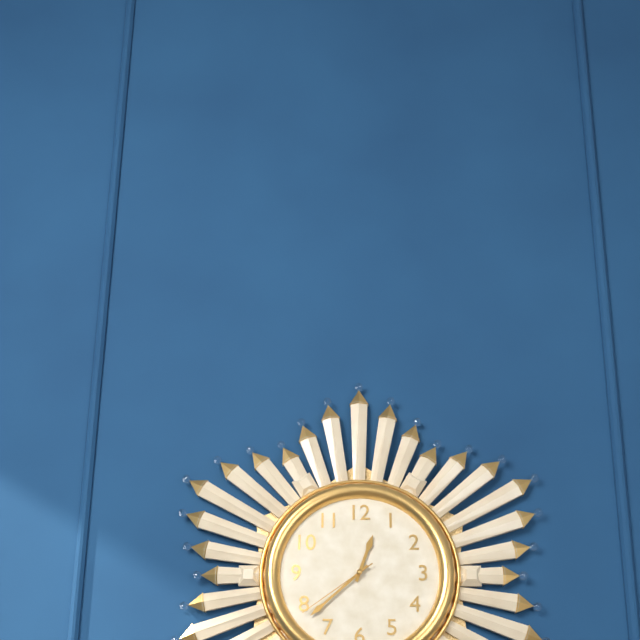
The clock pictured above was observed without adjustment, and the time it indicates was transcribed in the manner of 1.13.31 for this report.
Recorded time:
12.38.39
